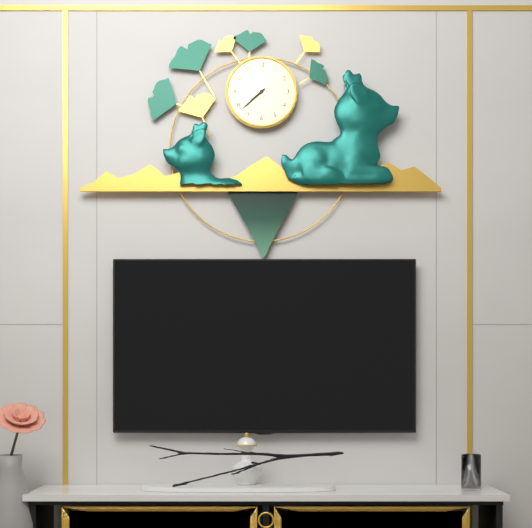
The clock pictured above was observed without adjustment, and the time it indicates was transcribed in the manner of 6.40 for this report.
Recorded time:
7.38
